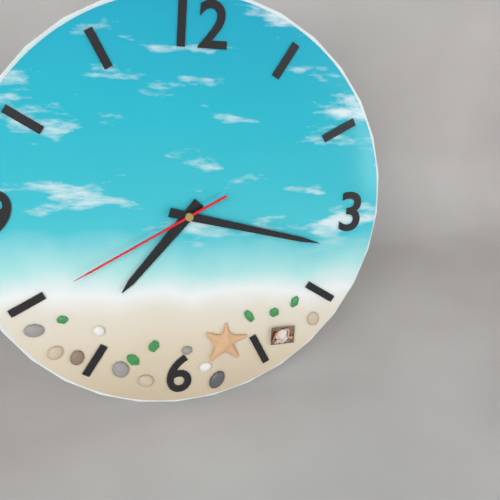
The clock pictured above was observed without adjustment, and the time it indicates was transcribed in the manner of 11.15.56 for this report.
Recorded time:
7.17.40
